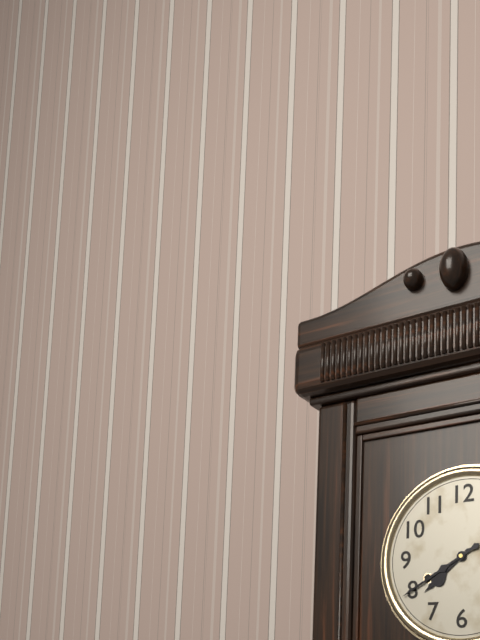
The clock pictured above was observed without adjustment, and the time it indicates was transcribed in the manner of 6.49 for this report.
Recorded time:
7.40
